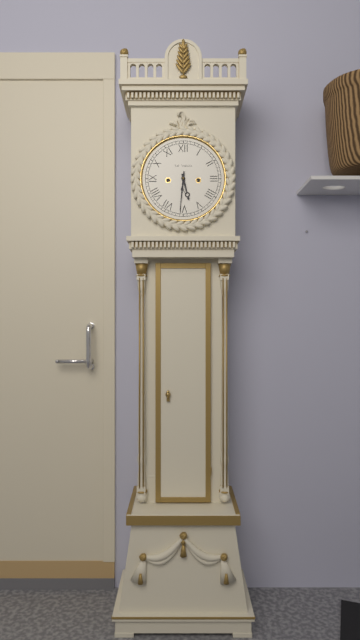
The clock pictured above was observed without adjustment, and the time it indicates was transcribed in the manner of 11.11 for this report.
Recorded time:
5.31
